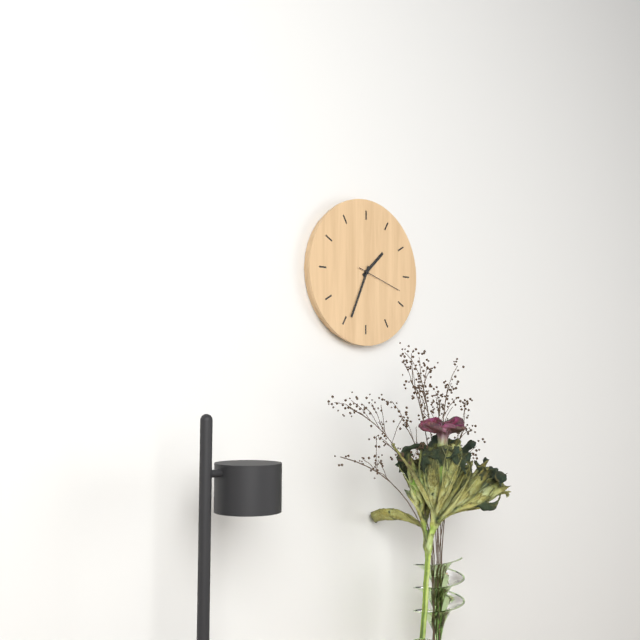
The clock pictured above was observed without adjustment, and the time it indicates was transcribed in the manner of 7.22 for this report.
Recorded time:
1.34
